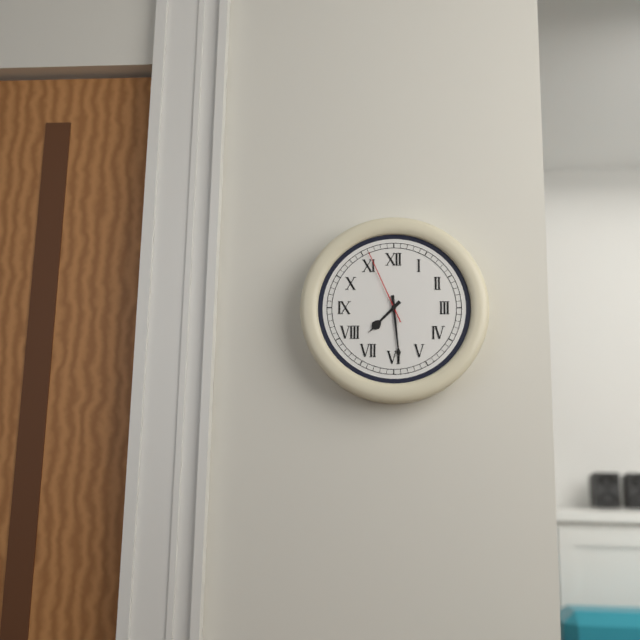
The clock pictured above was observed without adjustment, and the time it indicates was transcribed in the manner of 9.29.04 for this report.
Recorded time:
7.29.56
